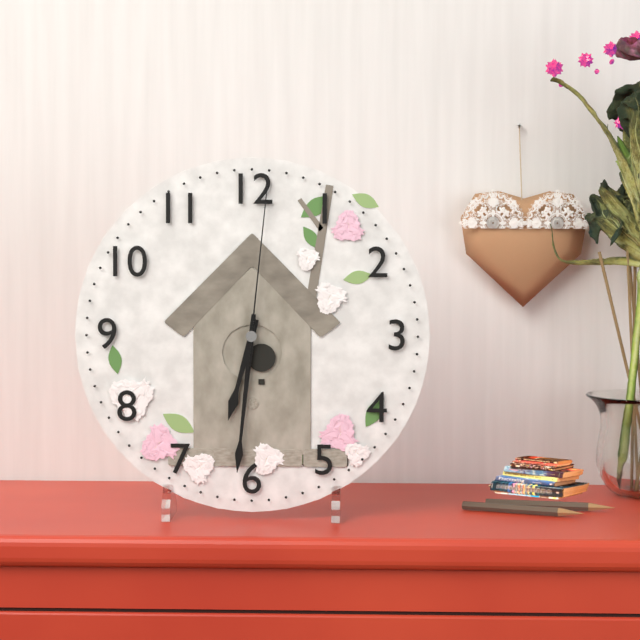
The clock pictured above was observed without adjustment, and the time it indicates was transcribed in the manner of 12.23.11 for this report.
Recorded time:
6.31.01
